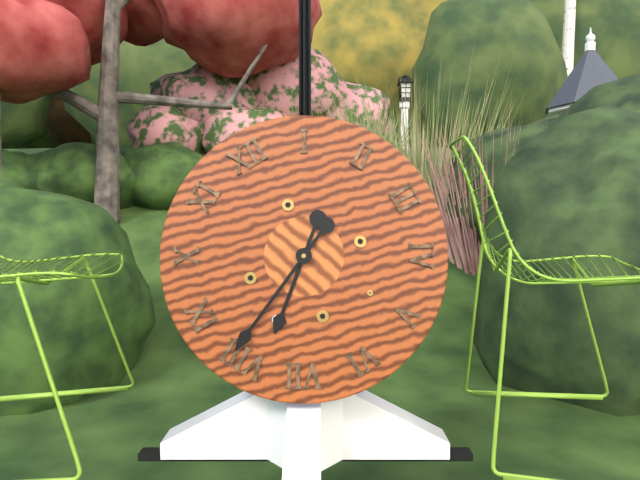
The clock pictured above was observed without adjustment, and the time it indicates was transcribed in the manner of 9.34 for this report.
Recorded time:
7.41
